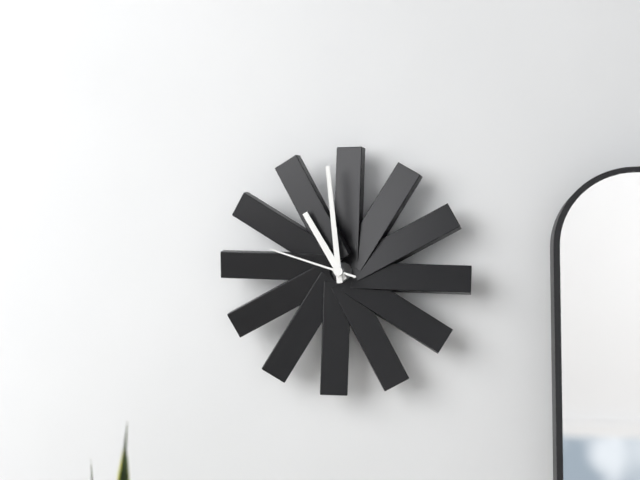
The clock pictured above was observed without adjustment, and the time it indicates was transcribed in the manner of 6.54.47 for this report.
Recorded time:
10.59.48
